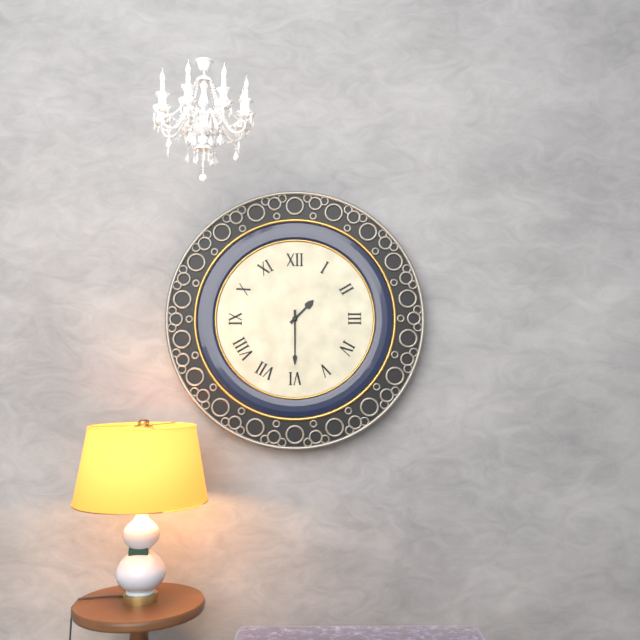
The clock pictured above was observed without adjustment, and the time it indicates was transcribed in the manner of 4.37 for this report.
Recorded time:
1.30
